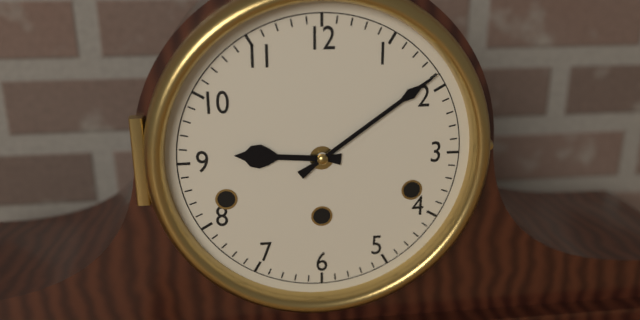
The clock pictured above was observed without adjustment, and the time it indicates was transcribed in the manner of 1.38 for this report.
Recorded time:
9.09
